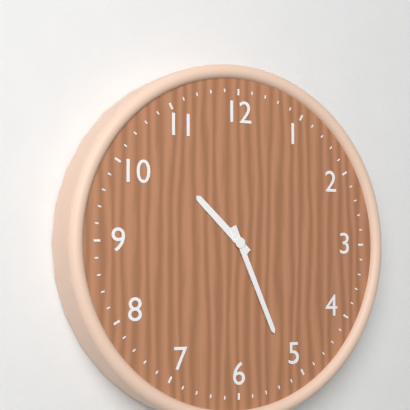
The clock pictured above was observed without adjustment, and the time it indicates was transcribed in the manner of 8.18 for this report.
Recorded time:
10.26
